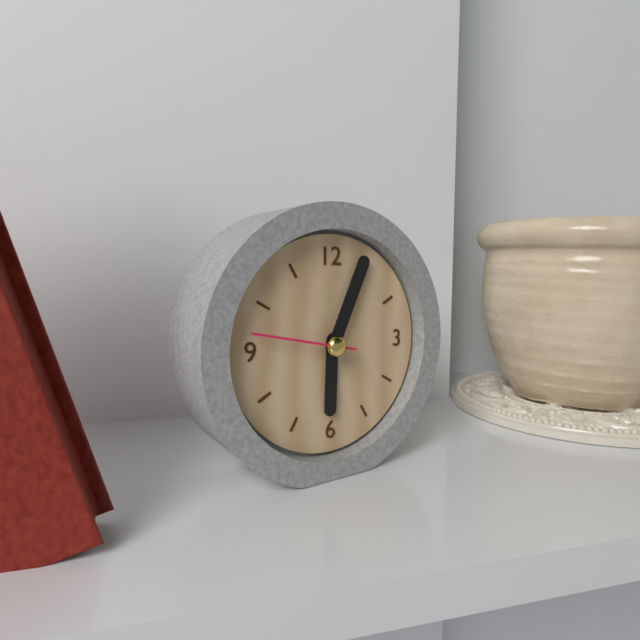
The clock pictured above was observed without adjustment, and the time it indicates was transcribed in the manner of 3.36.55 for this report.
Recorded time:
6.04.47
